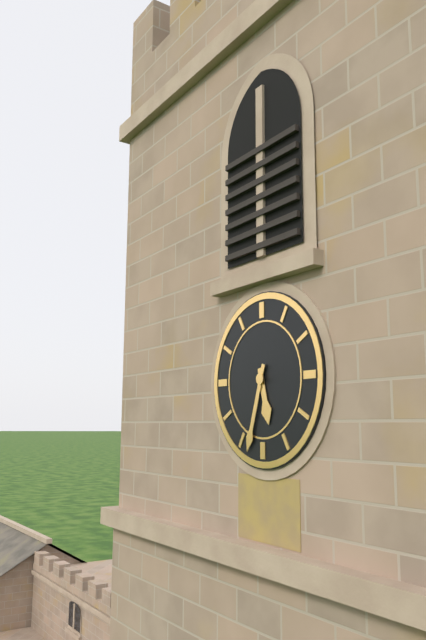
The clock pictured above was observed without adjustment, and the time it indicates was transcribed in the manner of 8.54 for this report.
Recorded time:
5.33
